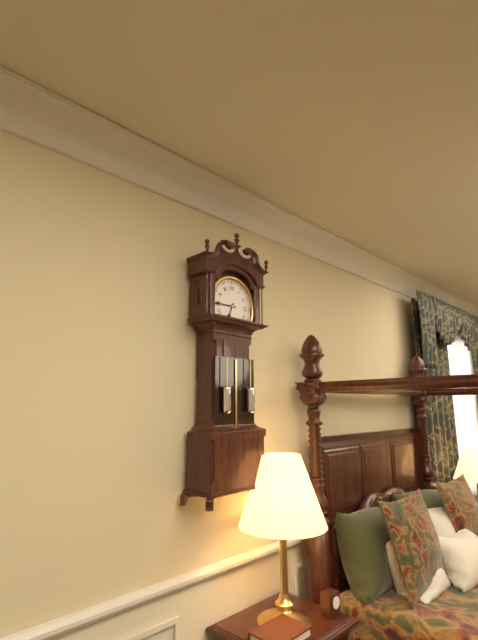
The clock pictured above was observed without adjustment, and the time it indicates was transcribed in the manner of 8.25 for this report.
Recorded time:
6.45
